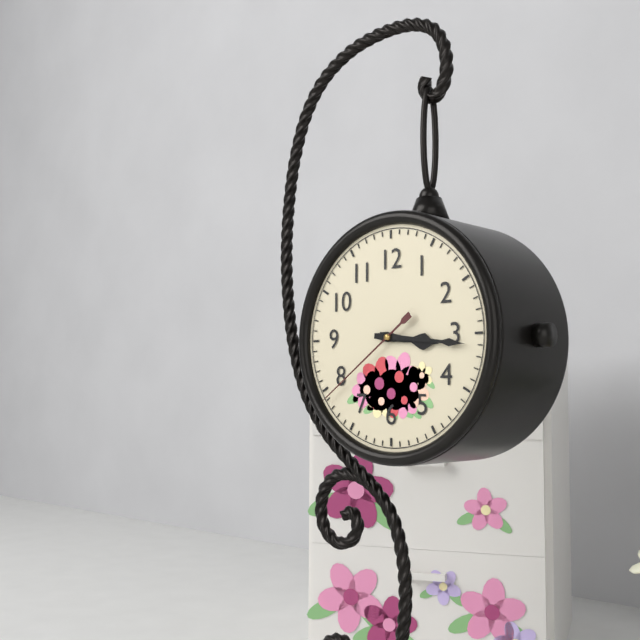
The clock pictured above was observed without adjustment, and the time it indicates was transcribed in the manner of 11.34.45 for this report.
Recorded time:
3.16.39
